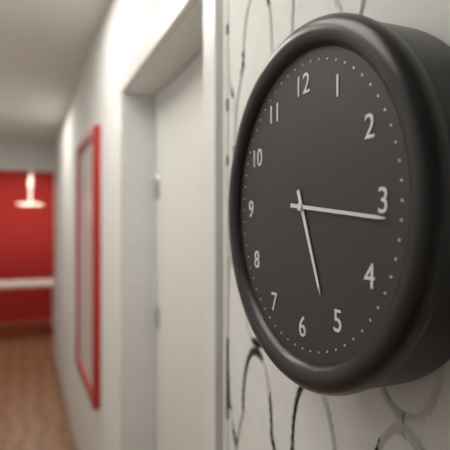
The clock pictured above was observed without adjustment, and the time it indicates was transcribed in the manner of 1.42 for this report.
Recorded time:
5.16
